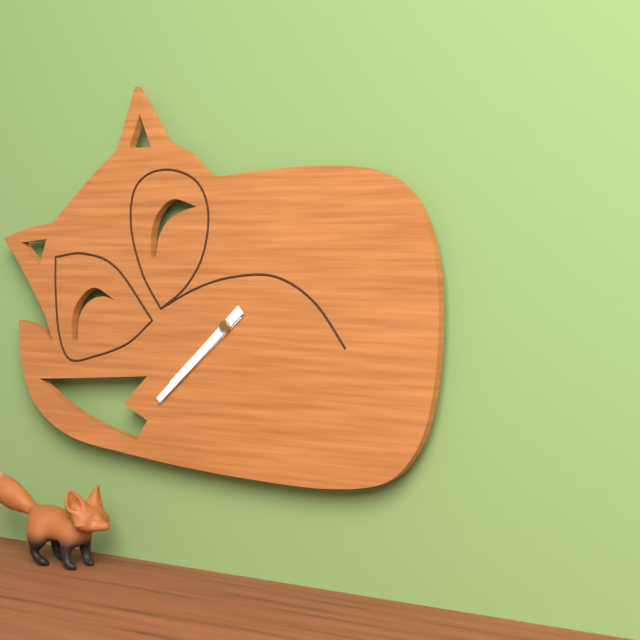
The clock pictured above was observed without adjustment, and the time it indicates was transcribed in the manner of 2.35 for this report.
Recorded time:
7.38
